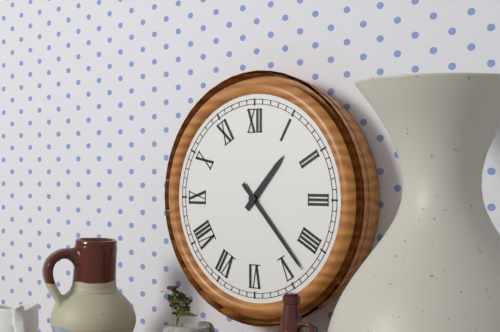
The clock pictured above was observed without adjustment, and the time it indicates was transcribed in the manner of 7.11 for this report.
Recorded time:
1.23
